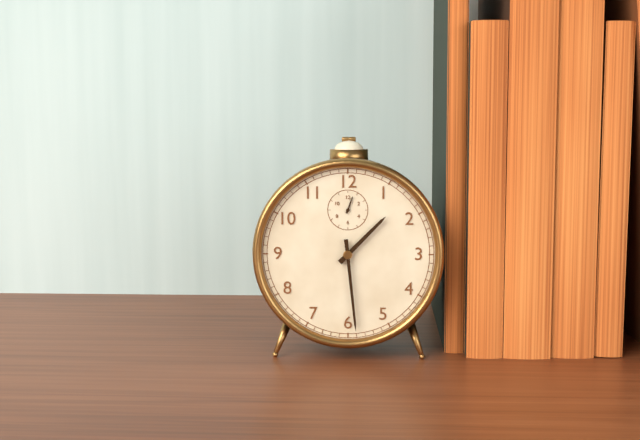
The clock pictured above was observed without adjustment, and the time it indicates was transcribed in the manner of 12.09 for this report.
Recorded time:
1.29
